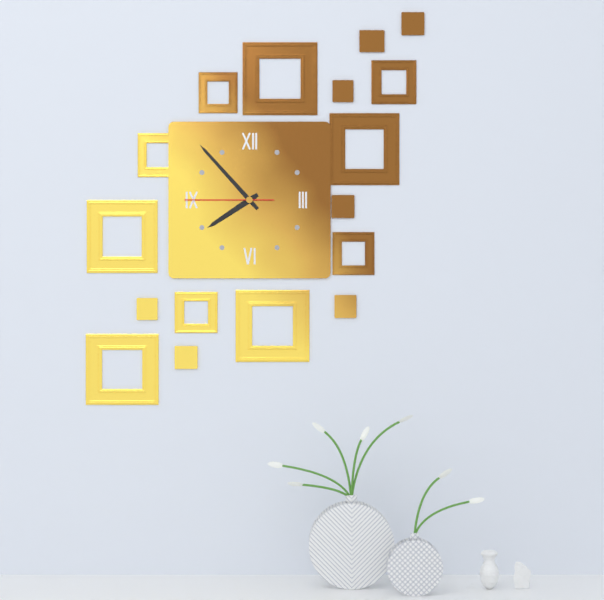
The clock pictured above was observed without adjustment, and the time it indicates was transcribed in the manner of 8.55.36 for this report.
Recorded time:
7.53.45
